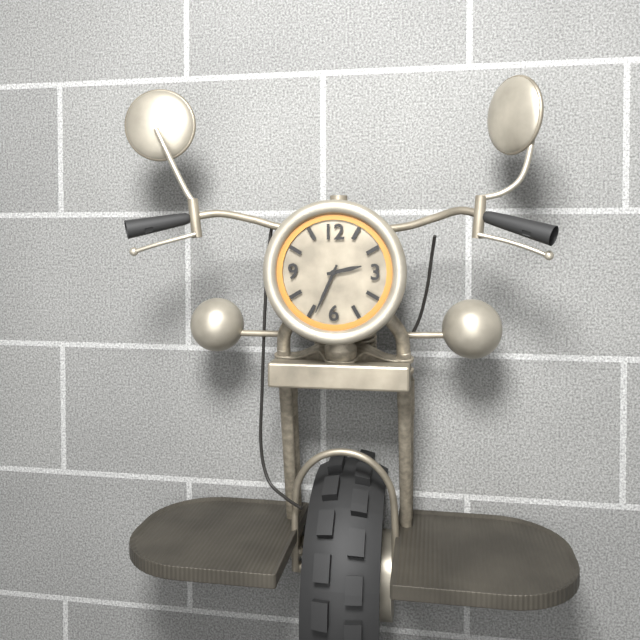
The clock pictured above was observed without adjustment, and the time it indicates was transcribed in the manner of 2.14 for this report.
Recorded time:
2.34
